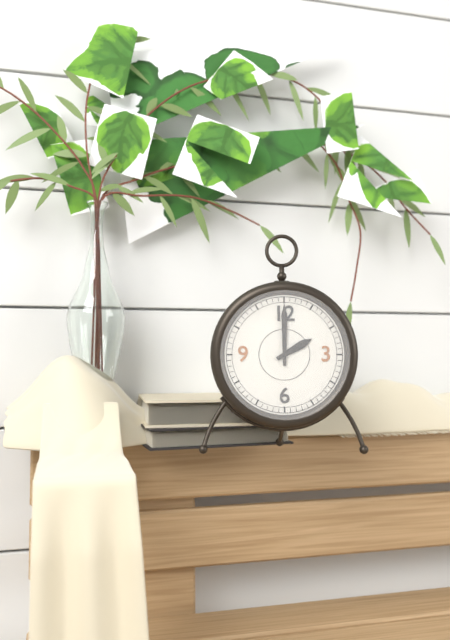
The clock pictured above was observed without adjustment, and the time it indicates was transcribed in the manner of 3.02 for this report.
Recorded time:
2.00
